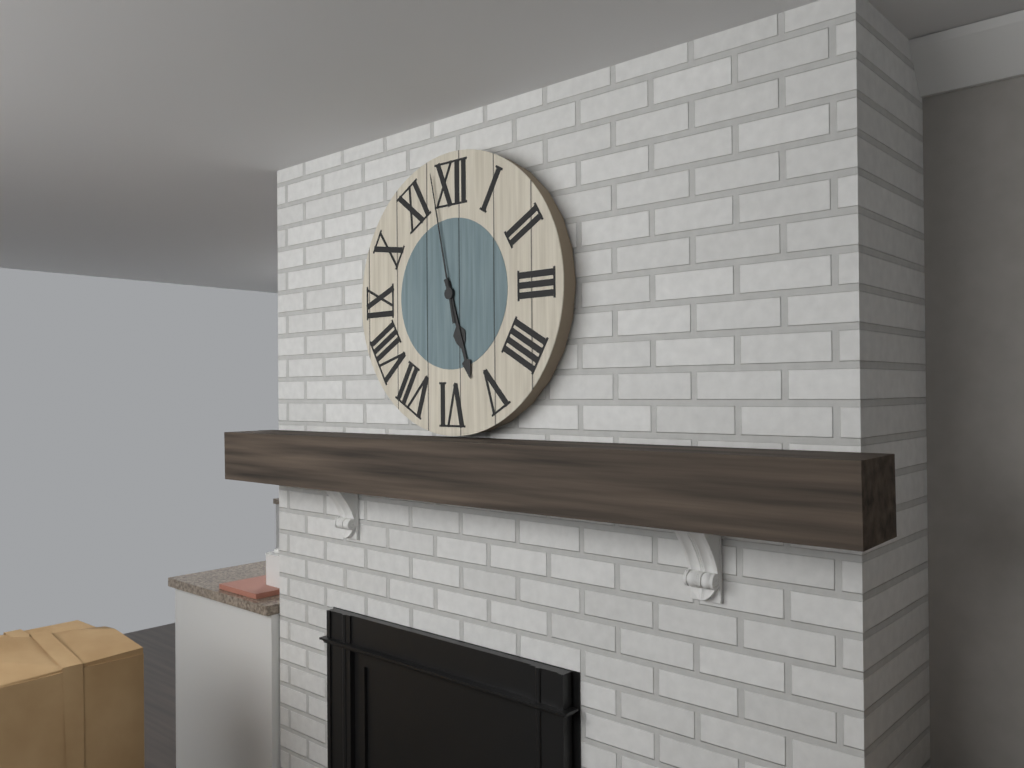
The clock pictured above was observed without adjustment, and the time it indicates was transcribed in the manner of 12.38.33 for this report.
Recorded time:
5.27.58
